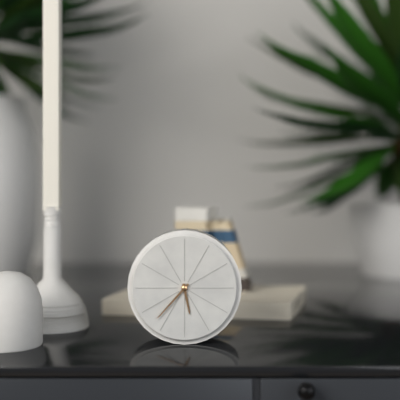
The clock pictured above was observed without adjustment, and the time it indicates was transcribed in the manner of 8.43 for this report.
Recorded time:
5.37
